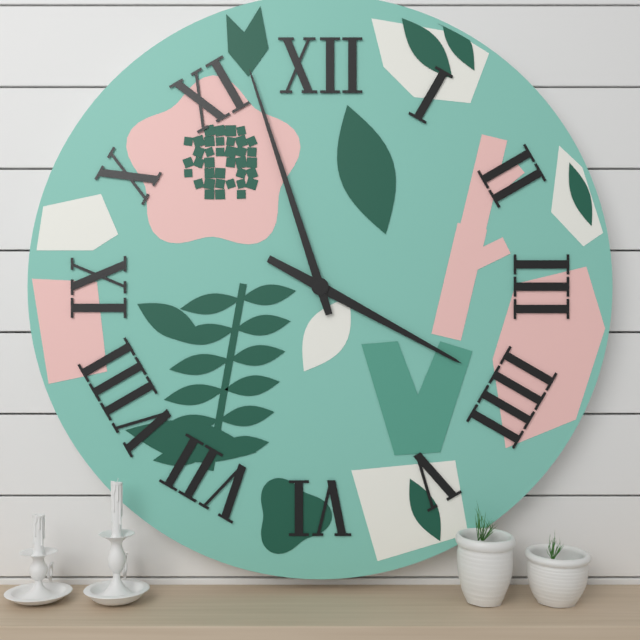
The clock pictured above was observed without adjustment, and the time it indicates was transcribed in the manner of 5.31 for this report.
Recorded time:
3.57
